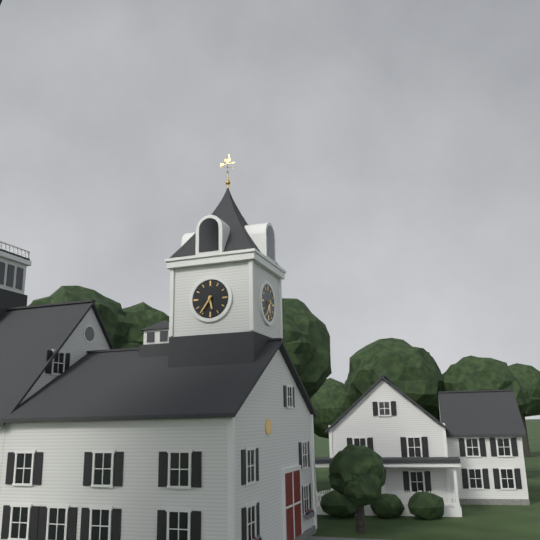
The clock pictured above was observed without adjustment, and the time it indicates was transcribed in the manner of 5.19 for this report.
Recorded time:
5.36
